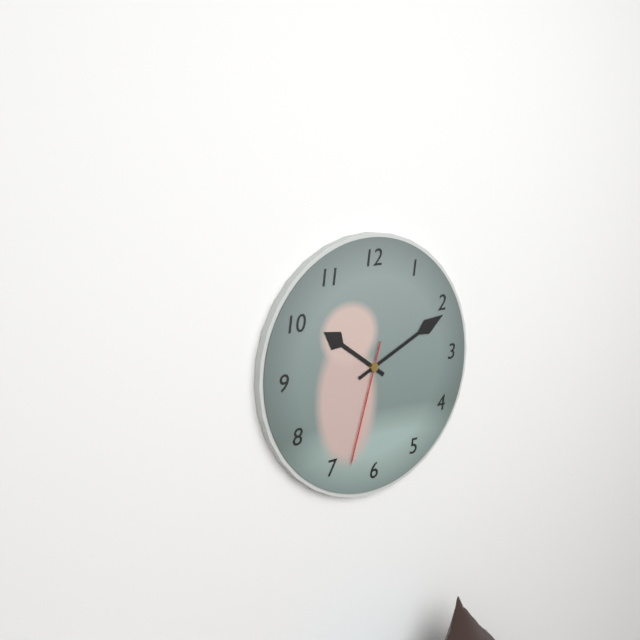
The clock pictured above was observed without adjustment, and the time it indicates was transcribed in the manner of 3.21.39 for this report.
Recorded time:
10.11.33
